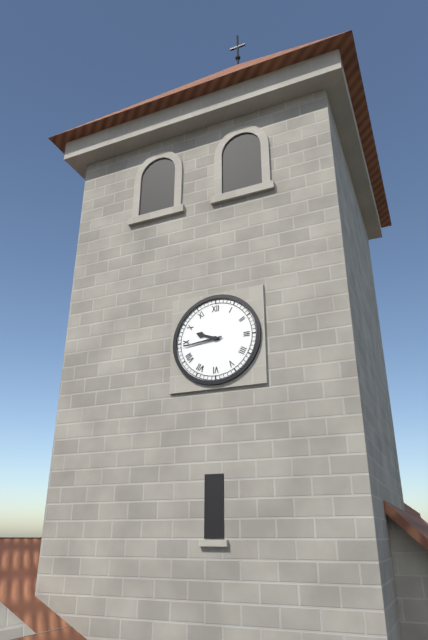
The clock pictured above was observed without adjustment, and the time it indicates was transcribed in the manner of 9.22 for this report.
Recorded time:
9.44
